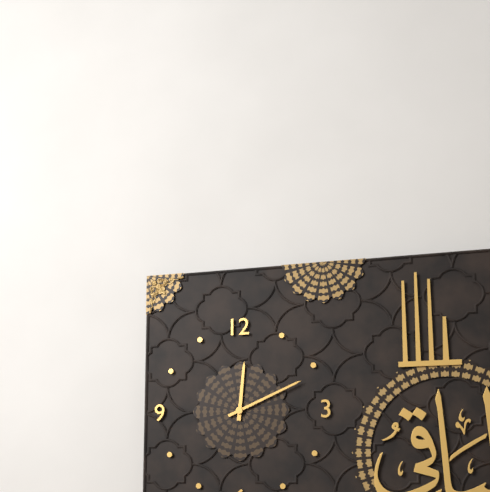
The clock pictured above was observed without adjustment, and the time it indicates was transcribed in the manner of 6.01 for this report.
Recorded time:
12.11
